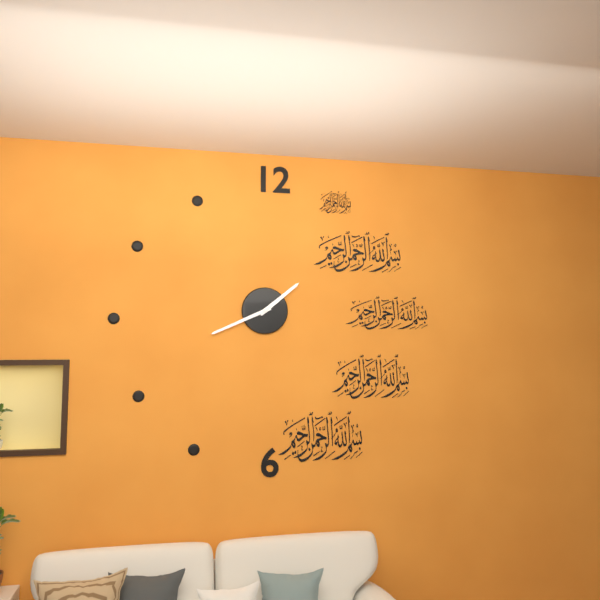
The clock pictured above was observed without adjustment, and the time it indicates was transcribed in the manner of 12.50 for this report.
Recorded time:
1.41
